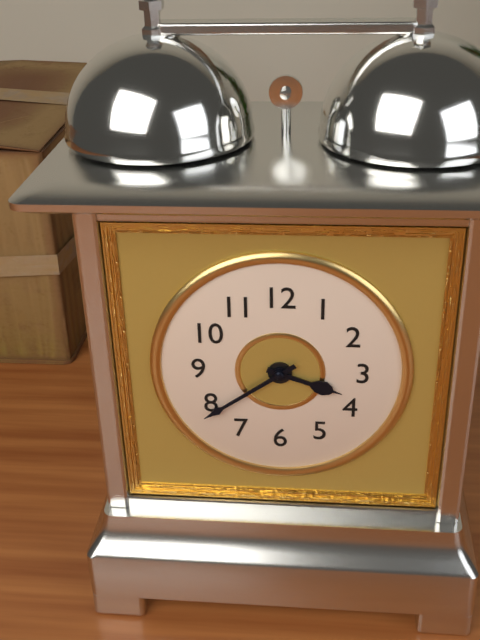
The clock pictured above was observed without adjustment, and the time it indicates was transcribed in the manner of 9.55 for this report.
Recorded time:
3.39
